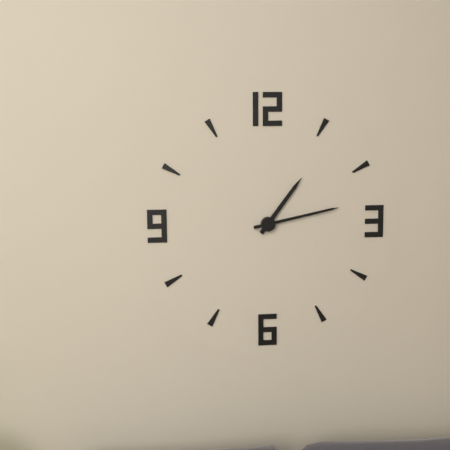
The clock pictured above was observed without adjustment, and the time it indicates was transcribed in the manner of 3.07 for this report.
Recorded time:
1.13
